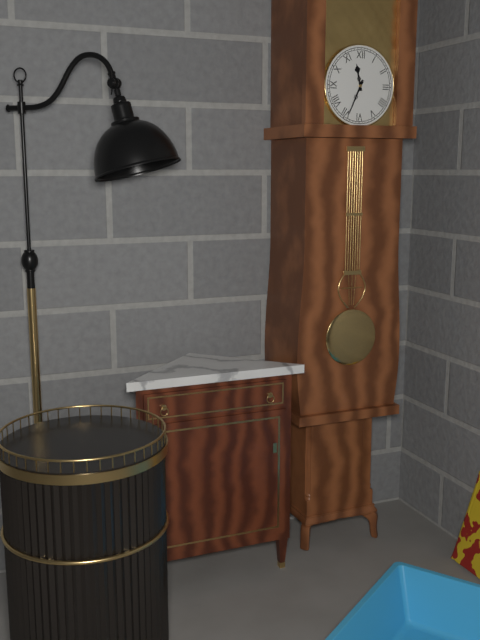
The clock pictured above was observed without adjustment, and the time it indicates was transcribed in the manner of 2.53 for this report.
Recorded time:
11.34
